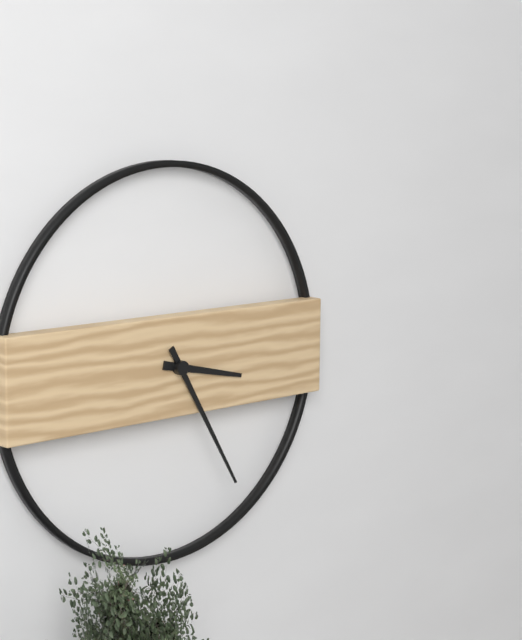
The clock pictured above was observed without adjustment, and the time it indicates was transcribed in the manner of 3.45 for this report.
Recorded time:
3.25
